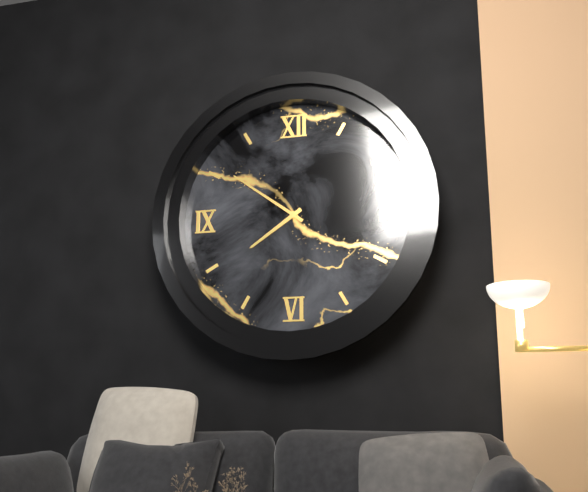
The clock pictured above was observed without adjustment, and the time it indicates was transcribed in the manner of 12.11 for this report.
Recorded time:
7.51
